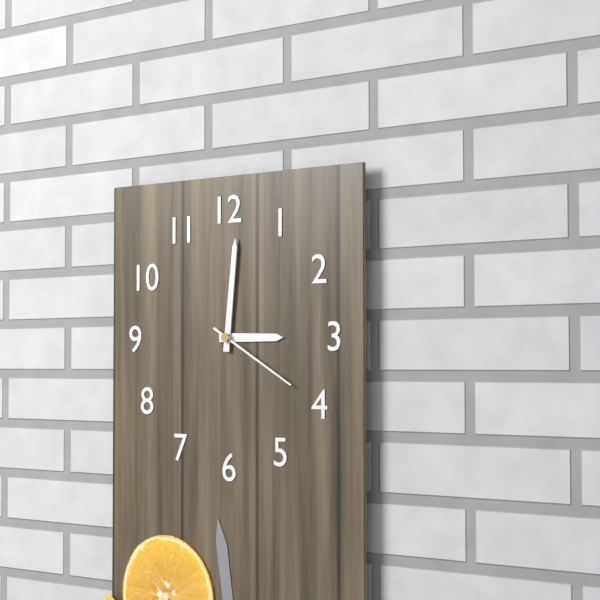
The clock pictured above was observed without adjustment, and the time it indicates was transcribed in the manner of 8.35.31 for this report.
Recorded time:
3.01.20
